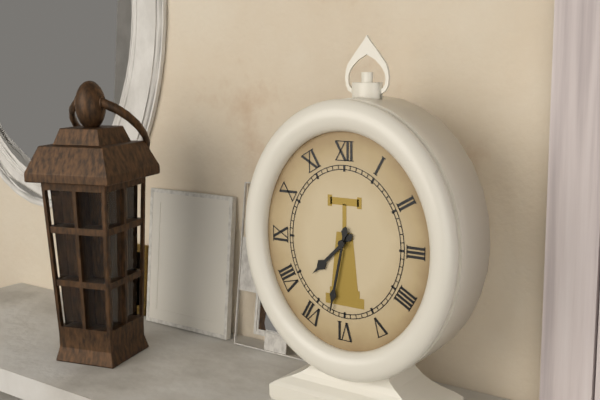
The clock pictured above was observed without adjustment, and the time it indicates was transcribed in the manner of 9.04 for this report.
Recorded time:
7.32
